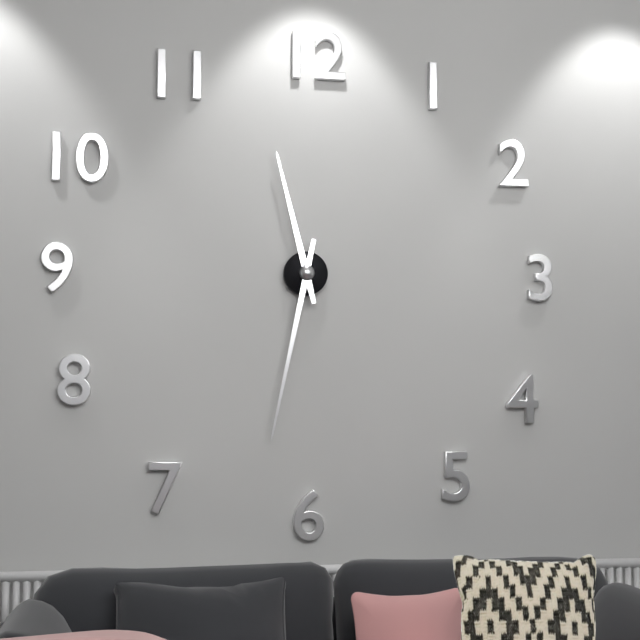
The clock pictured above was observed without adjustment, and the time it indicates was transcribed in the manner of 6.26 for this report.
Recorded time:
11.32
